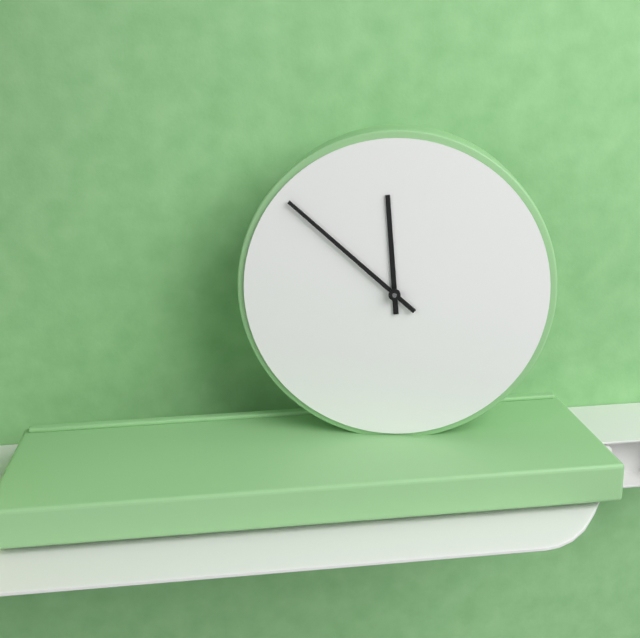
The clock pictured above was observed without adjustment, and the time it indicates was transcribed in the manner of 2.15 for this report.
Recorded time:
11.52
